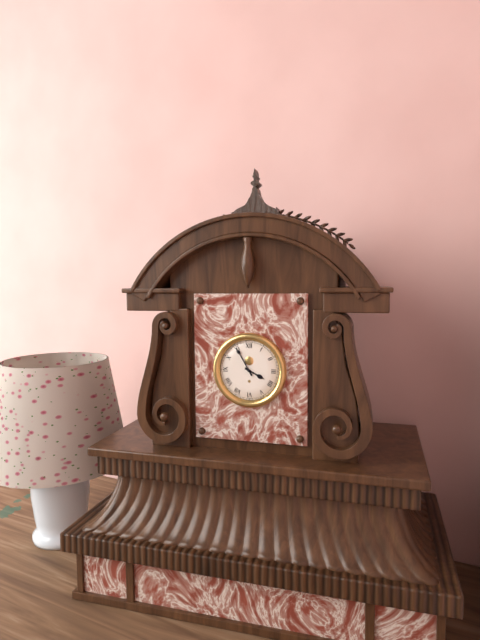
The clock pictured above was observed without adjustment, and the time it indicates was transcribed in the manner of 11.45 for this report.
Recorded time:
3.55
